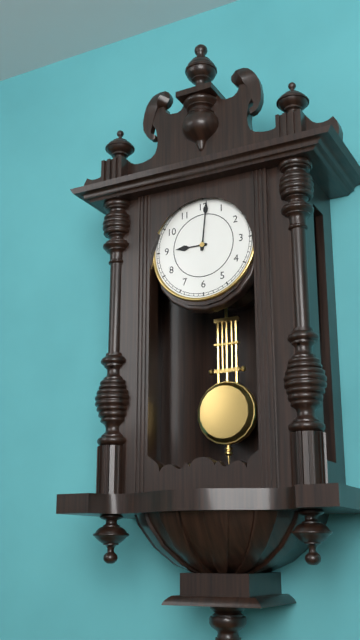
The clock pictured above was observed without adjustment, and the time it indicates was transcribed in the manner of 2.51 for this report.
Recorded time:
9.01
